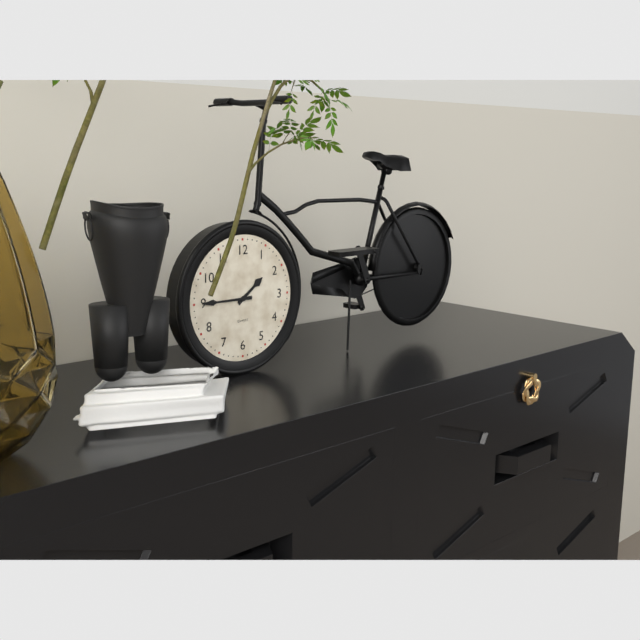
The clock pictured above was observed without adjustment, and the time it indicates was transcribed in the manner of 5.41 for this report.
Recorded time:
1.45
